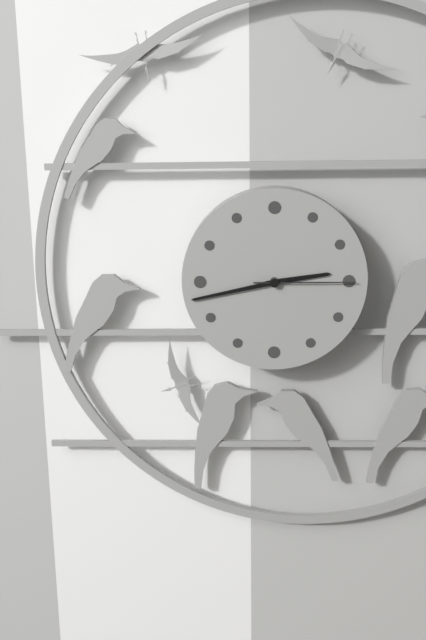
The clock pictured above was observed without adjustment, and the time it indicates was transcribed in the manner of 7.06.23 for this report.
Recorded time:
2.43.15
